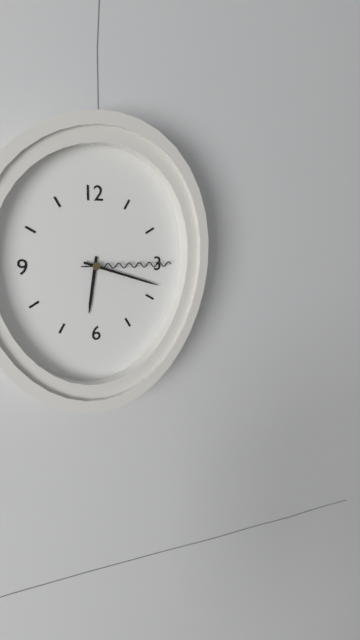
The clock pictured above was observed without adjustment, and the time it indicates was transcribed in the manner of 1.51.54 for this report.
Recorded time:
6.18.15
